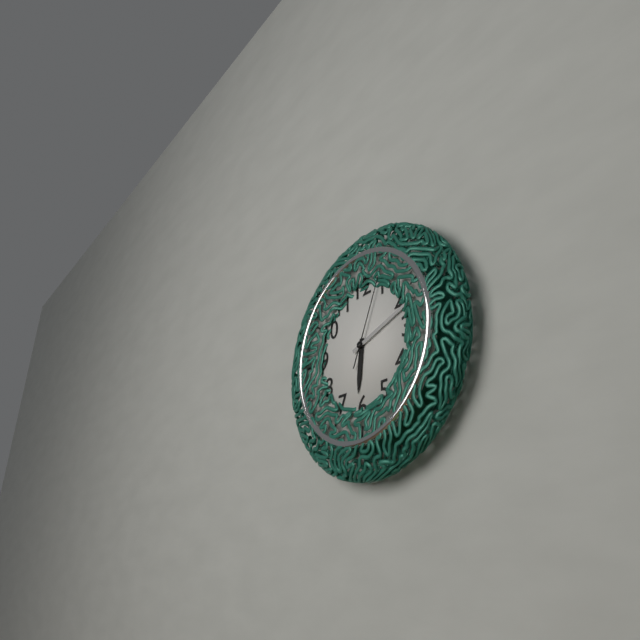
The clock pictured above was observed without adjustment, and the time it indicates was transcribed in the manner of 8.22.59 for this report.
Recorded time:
6.12.04
